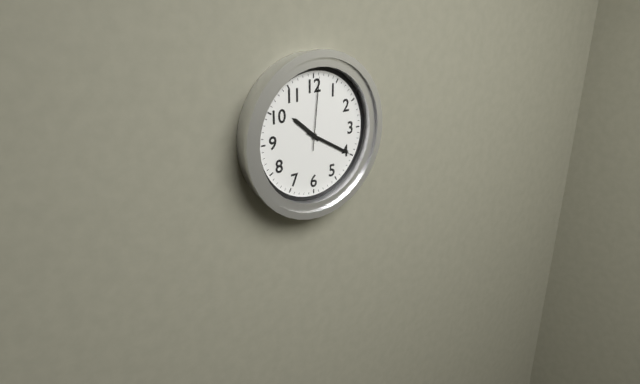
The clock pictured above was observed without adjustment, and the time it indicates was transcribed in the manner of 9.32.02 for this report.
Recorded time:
10.20.01
